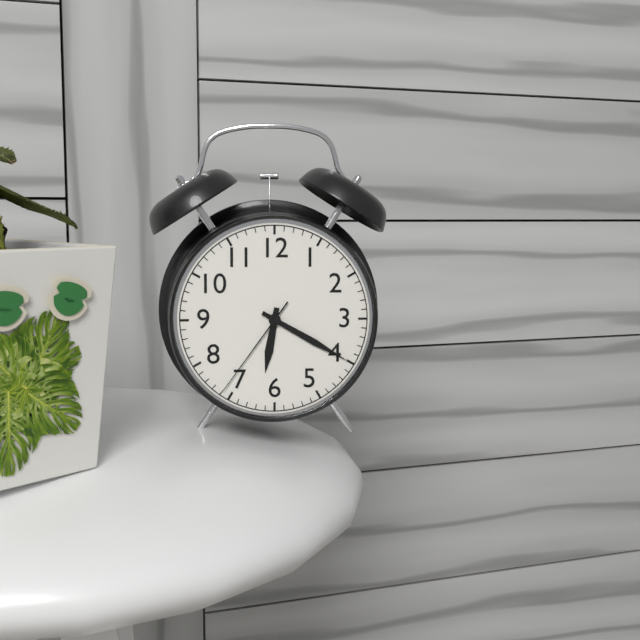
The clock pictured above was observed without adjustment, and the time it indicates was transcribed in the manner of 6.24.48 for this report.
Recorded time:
6.20.36
